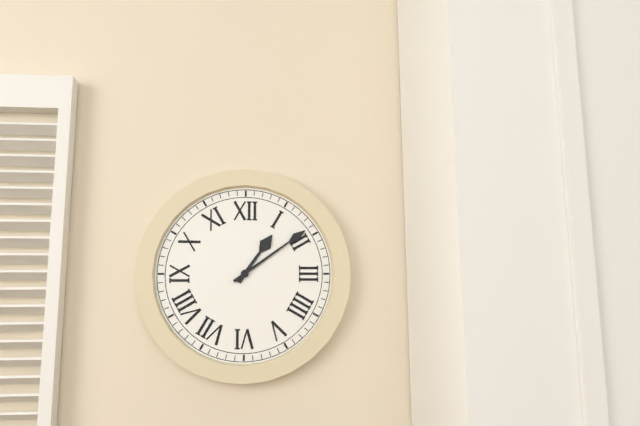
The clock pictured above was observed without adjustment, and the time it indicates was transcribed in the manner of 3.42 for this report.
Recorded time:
1.09
